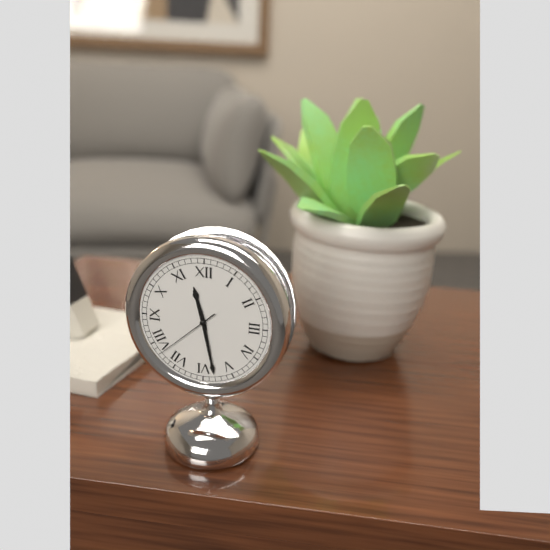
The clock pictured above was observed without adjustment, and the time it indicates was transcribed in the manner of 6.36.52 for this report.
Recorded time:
11.28.38
